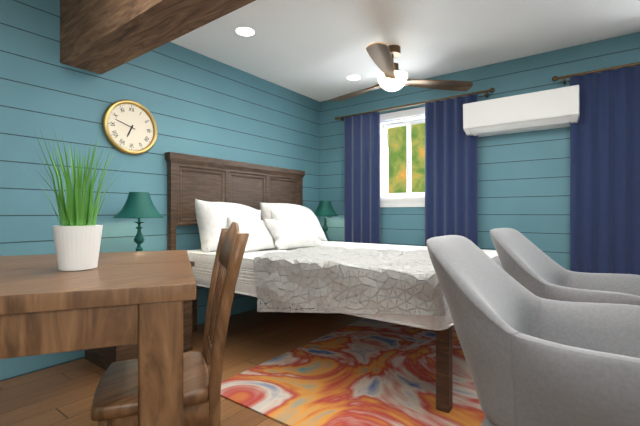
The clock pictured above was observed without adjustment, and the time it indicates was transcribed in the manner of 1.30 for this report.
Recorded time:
6.48
